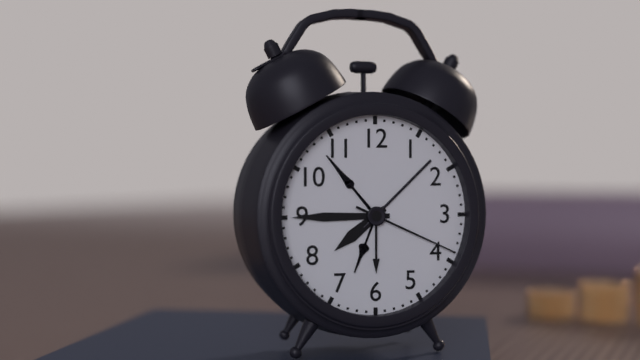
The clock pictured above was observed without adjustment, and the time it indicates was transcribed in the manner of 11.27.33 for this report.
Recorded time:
7.45.19
